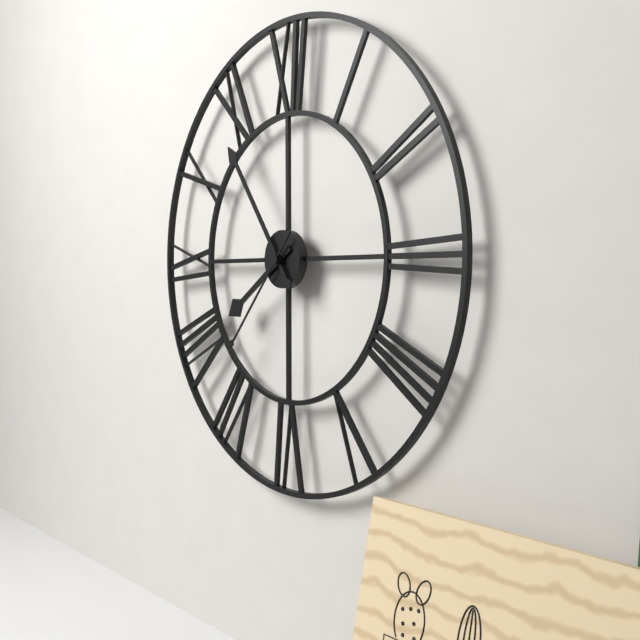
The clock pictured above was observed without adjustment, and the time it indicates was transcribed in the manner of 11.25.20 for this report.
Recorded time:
7.54.37
